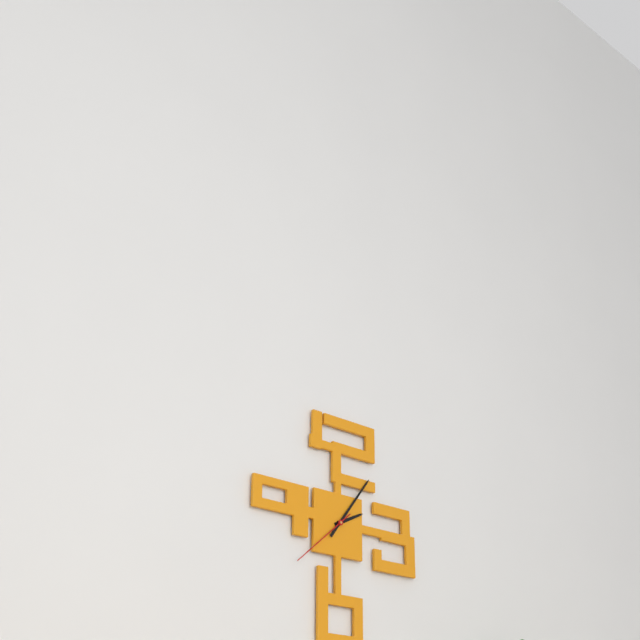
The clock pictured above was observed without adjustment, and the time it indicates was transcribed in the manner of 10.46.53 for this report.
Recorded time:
2.06.38
